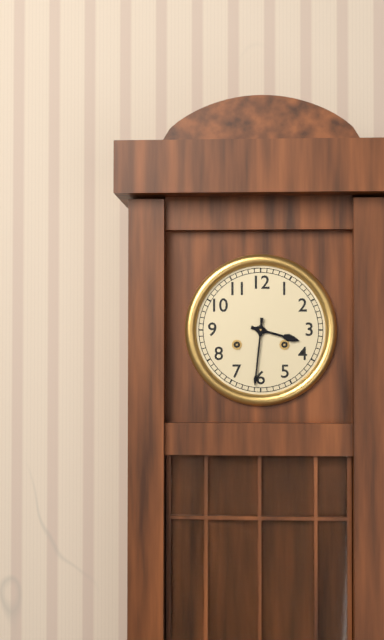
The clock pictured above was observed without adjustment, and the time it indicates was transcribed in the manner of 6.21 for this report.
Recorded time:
3.31
